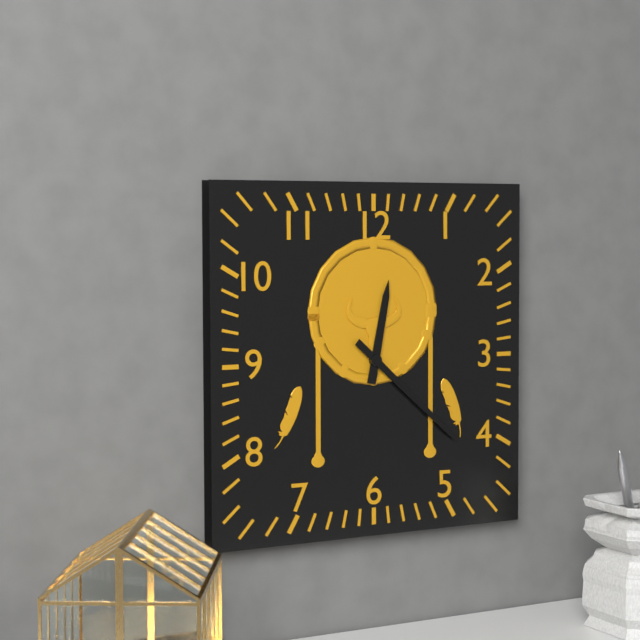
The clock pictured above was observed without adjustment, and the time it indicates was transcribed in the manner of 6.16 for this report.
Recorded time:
12.22
